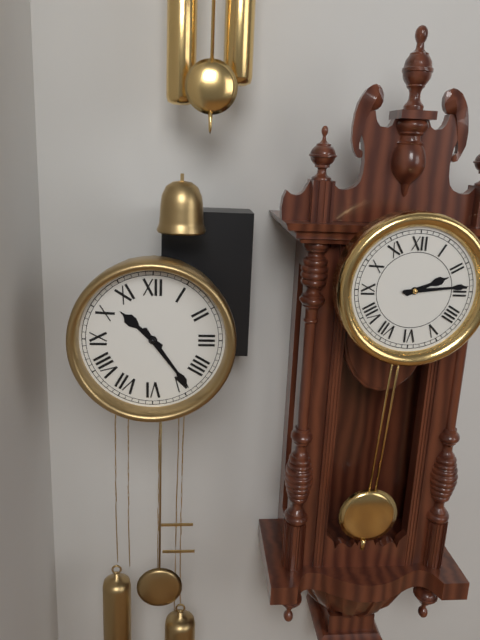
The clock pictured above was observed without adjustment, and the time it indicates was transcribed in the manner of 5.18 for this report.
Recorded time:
10.24
